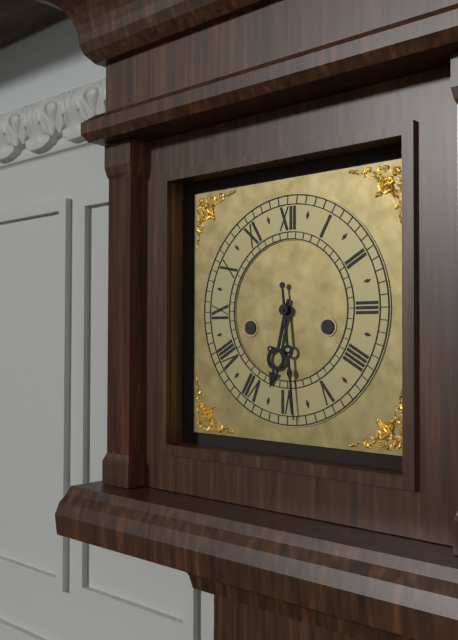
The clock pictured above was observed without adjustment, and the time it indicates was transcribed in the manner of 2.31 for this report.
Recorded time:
6.29
